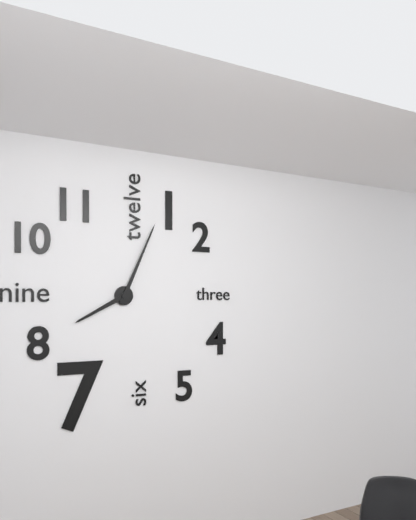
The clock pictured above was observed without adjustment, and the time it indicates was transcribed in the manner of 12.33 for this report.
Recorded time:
8.04
